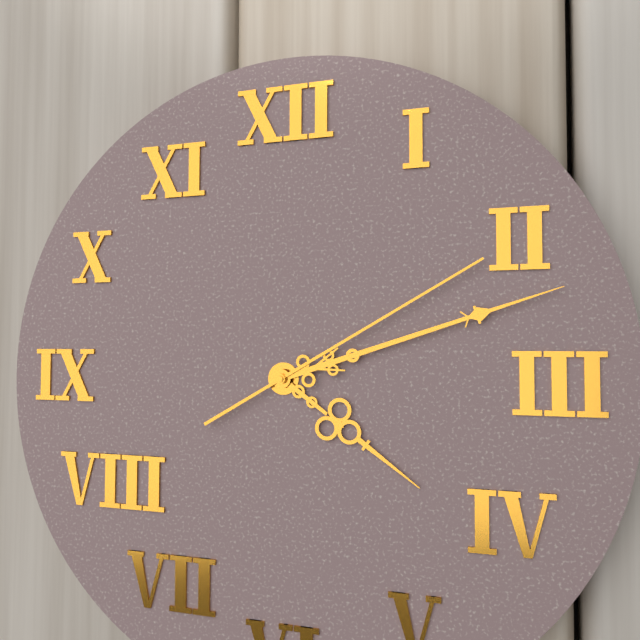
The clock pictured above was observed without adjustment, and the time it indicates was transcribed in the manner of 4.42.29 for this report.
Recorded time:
4.12.10
